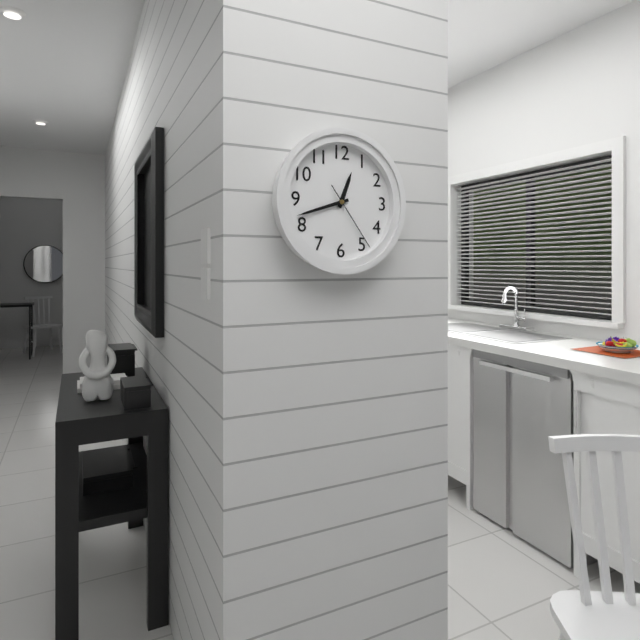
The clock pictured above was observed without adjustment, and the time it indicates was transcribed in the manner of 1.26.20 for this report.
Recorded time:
12.42.24
